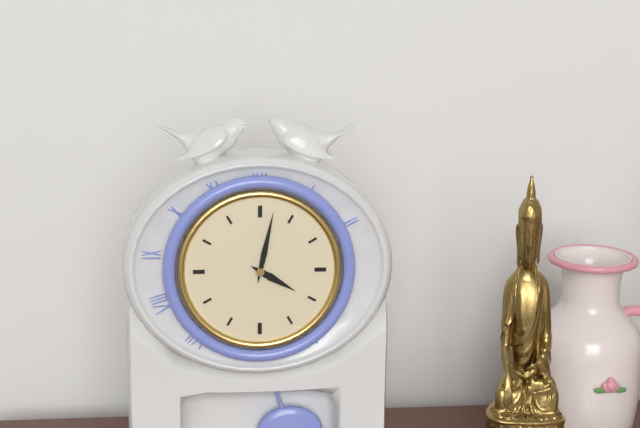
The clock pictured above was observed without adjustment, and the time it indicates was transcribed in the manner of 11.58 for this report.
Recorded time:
4.02
